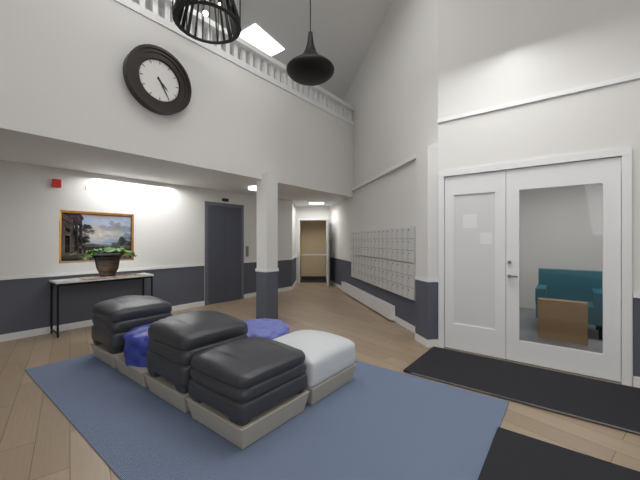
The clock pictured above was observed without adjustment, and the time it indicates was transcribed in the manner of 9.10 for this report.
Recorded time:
4.25
